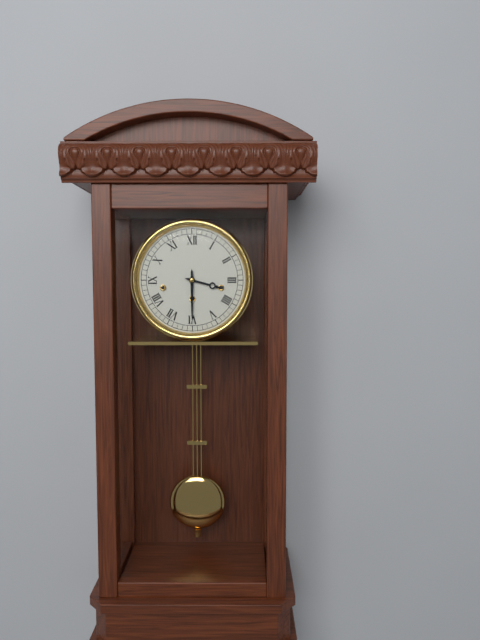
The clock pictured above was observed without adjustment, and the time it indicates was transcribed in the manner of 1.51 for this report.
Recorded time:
3.30
